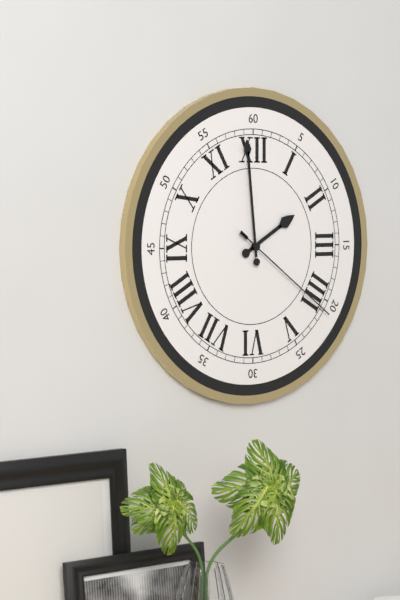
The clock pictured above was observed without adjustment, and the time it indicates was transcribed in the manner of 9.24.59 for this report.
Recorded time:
1.59.21
